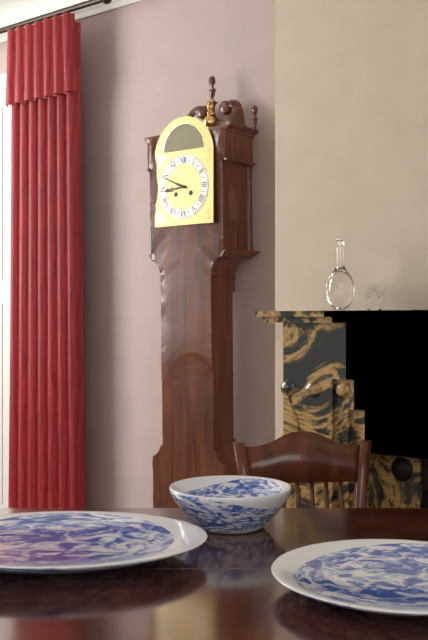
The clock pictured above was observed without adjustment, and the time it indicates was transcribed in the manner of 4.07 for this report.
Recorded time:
8.49
